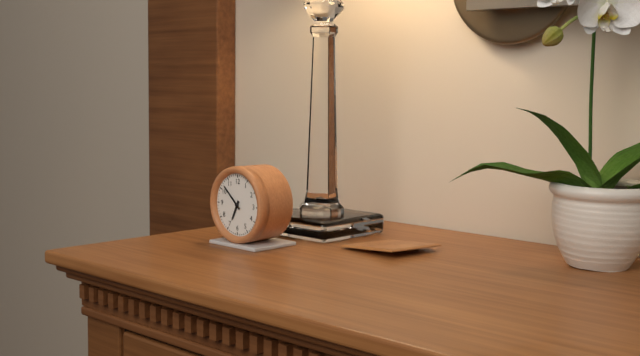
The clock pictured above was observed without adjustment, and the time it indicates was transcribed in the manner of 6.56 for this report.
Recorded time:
6.52
